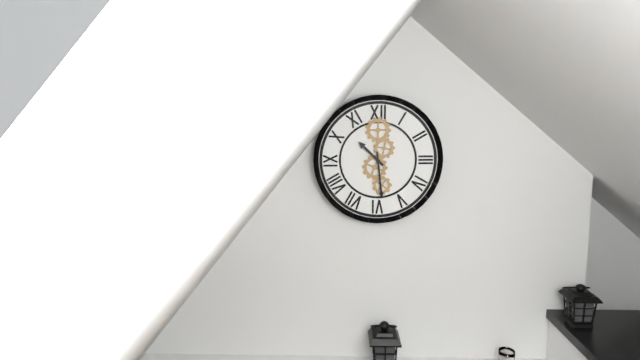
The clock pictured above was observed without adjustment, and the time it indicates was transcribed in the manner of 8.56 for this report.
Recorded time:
10.29
